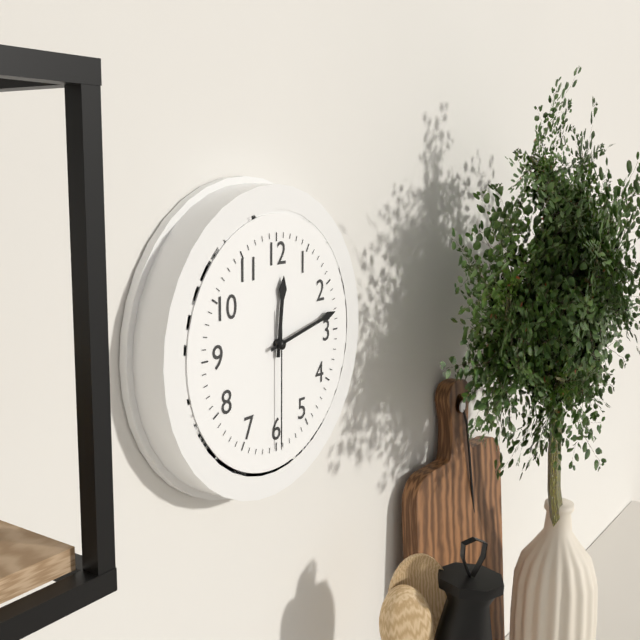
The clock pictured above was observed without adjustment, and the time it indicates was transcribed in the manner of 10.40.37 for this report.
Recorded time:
12.13.30
